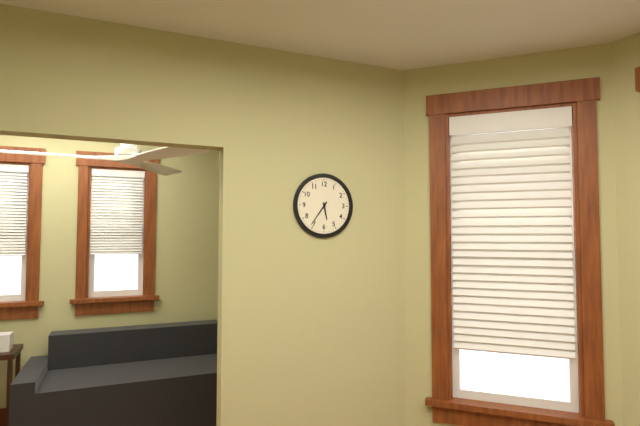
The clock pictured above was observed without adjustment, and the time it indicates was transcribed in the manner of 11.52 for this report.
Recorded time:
5.36
